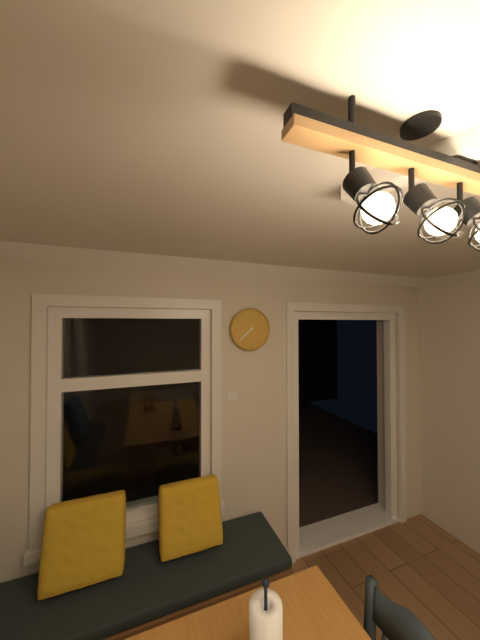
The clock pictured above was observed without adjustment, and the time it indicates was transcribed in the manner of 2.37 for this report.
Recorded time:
7.38
